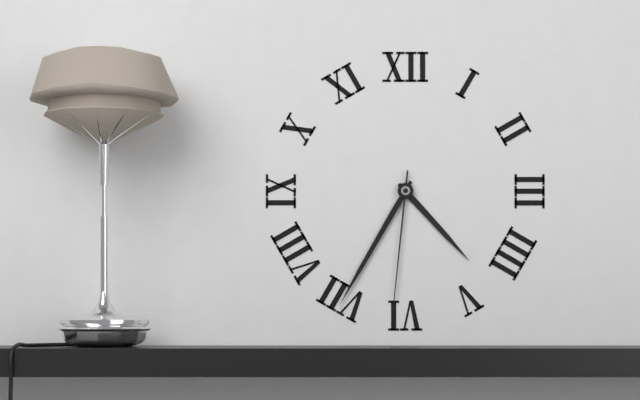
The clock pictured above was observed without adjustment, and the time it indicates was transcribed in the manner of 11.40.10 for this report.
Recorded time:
4.35.31
